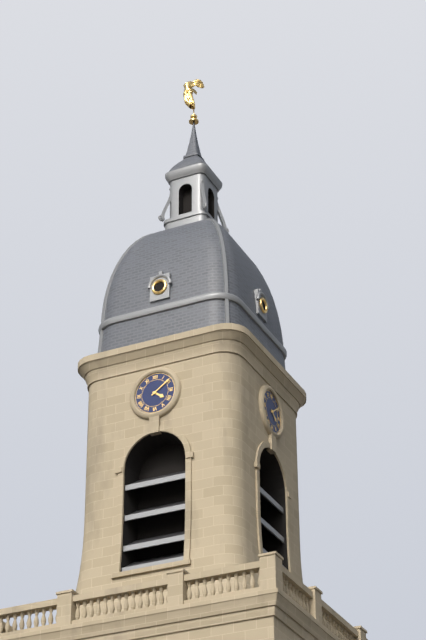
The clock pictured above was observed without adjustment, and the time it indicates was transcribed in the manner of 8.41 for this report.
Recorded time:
4.09
